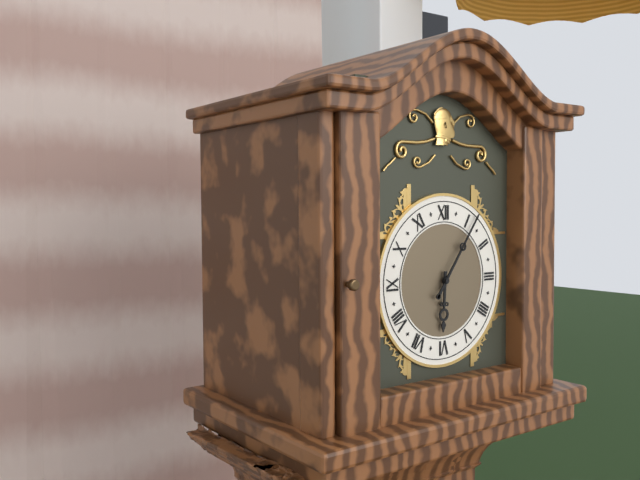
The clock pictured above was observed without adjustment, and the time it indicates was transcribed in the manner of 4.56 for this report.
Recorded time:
6.06
